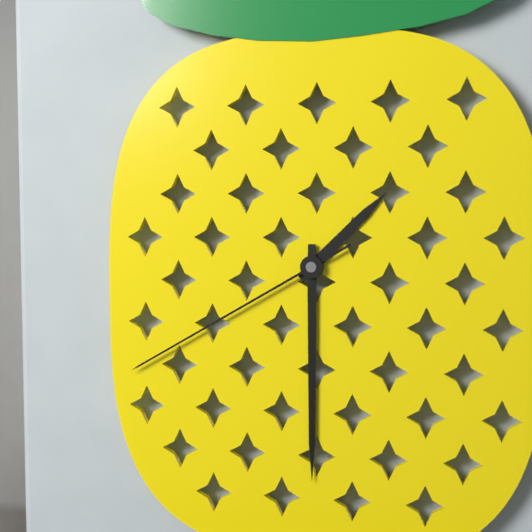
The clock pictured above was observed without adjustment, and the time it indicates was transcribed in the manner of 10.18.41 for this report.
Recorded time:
1.30.40
